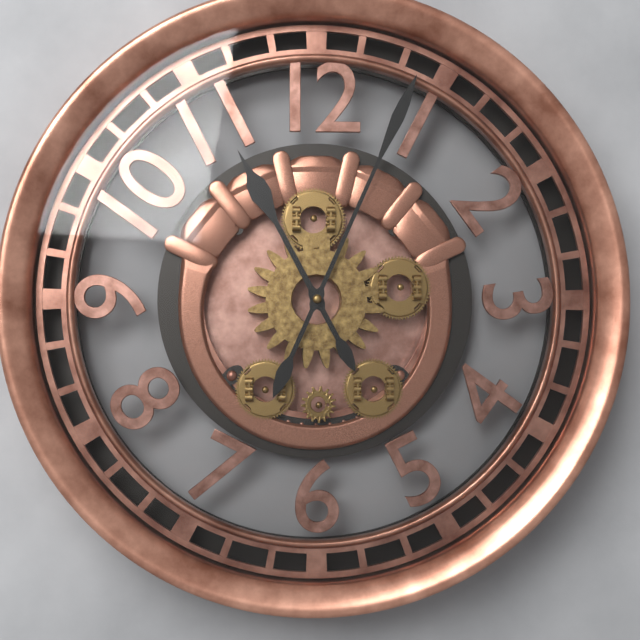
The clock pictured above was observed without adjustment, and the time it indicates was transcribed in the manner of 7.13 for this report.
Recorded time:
11.04
